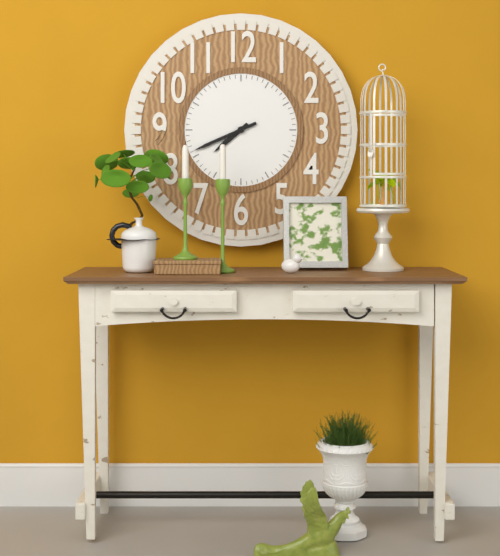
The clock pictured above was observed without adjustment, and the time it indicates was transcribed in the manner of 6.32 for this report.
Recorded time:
7.41
